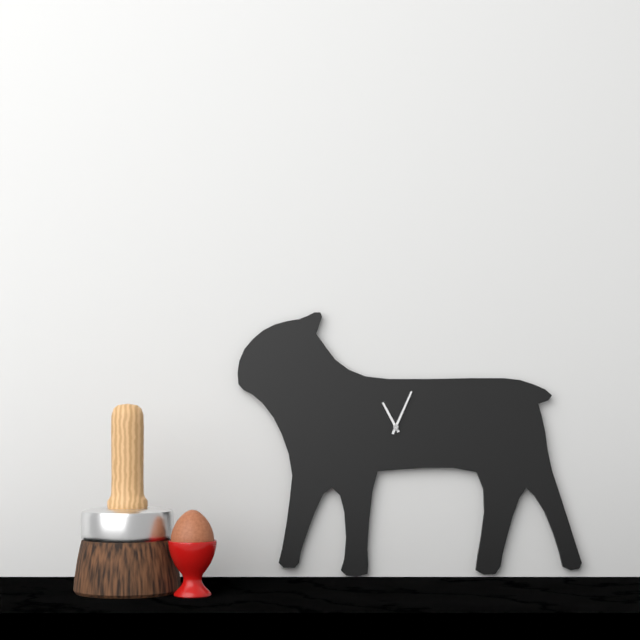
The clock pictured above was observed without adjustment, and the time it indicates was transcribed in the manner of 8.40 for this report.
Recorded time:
11.04
